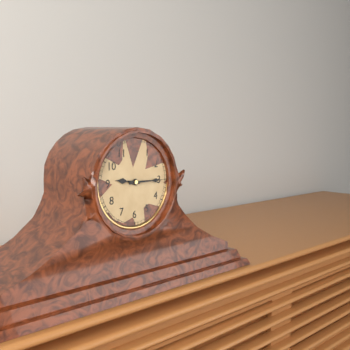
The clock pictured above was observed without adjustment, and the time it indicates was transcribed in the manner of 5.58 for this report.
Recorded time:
9.15
